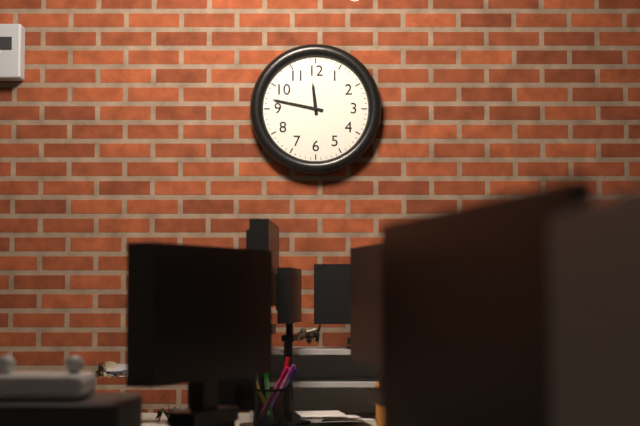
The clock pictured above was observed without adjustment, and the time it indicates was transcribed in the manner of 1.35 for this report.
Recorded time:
11.47
